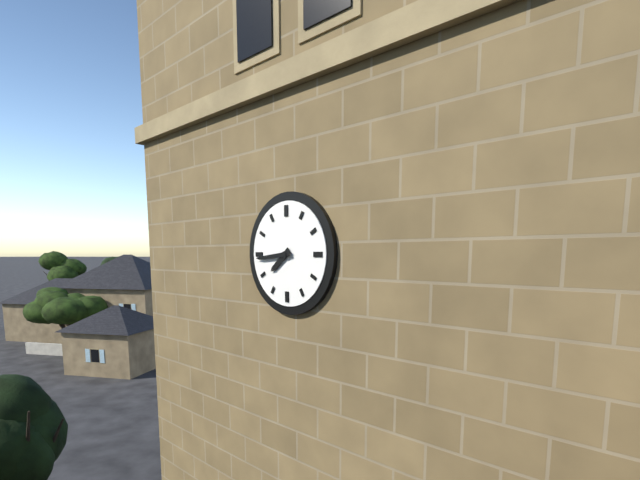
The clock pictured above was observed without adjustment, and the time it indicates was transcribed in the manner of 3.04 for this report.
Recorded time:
7.44
